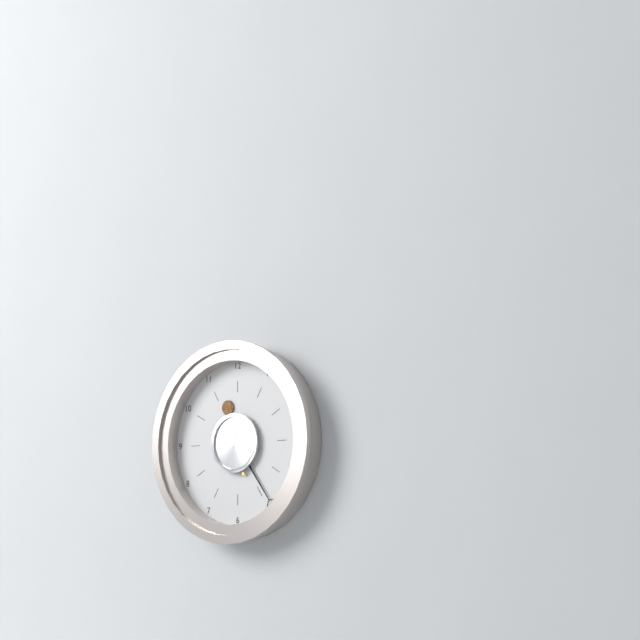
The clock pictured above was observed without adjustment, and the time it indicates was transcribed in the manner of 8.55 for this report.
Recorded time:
11.24
